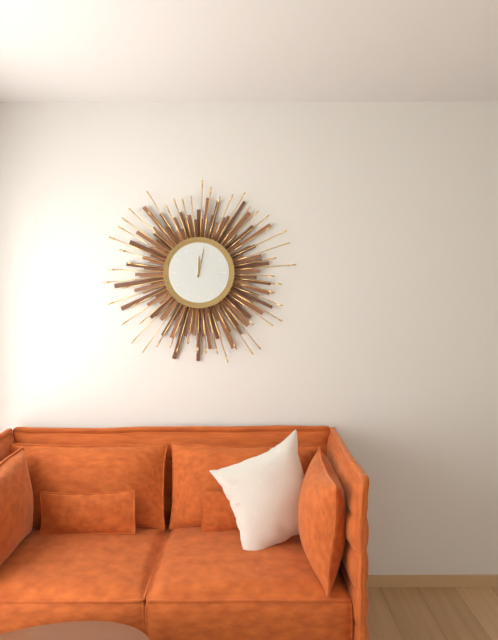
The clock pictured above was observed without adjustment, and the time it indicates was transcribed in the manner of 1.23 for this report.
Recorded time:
12.02
